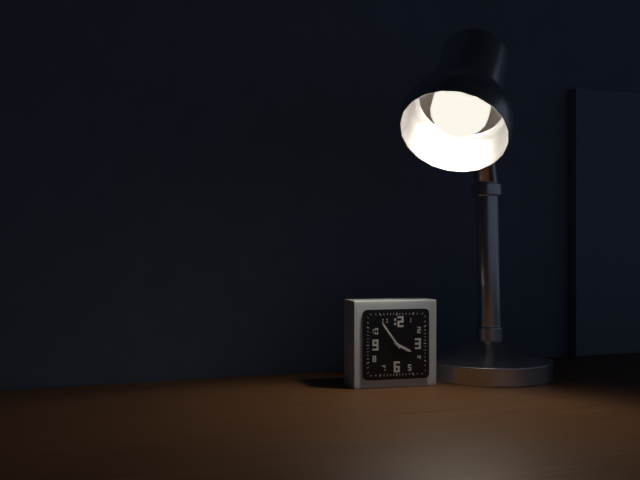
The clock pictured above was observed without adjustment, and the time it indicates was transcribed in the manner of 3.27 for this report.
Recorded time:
3.54
